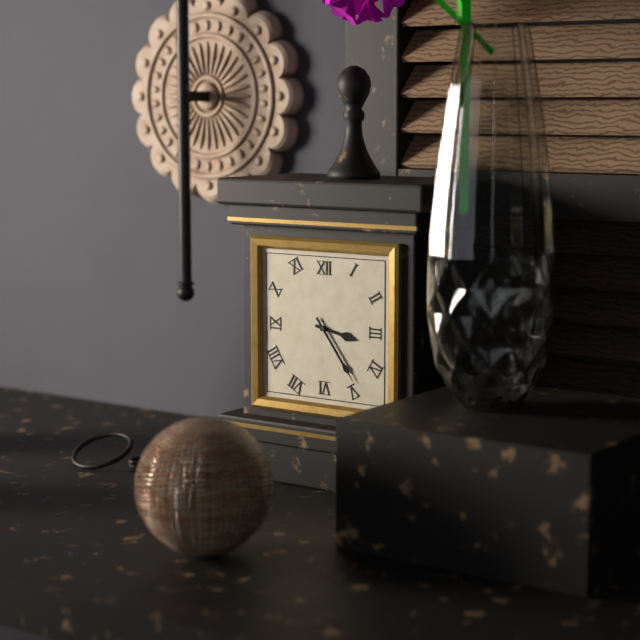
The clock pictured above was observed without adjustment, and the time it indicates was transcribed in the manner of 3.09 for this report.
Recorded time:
3.24
